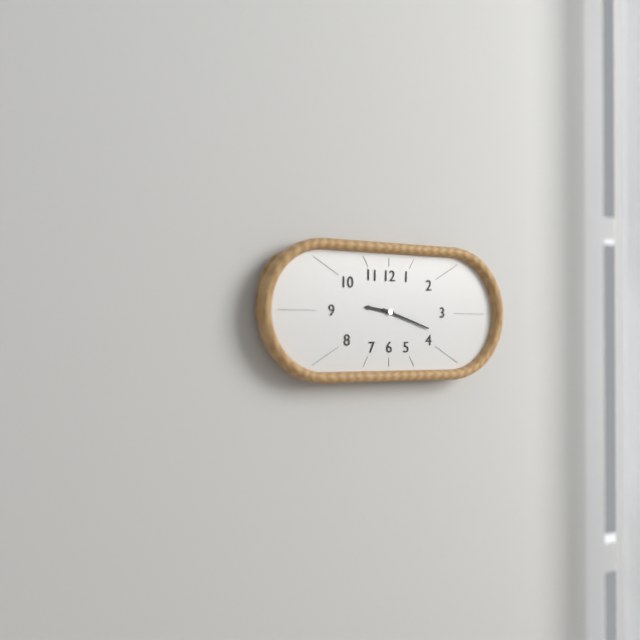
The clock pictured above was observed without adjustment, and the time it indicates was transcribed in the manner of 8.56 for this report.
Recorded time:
9.18
